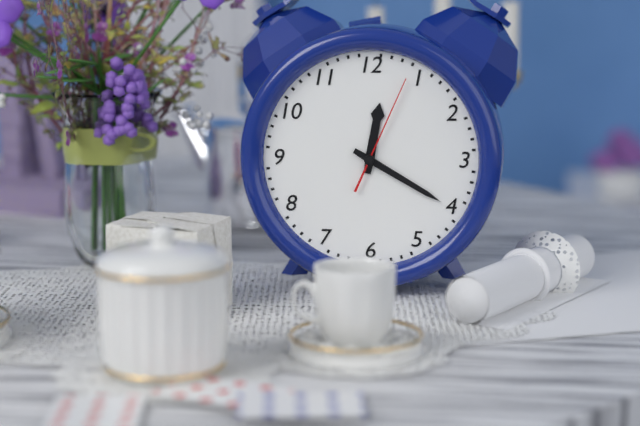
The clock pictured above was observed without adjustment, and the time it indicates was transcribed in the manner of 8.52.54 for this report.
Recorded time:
12.20.04
